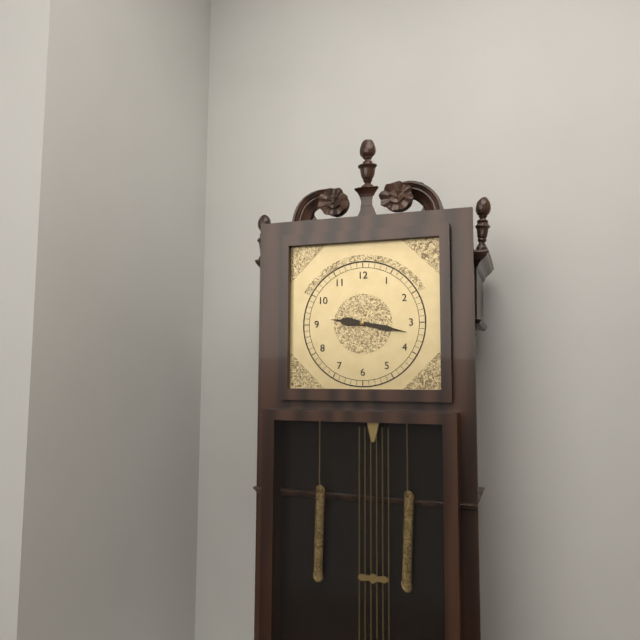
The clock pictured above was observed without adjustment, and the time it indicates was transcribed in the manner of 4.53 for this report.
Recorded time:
9.17
